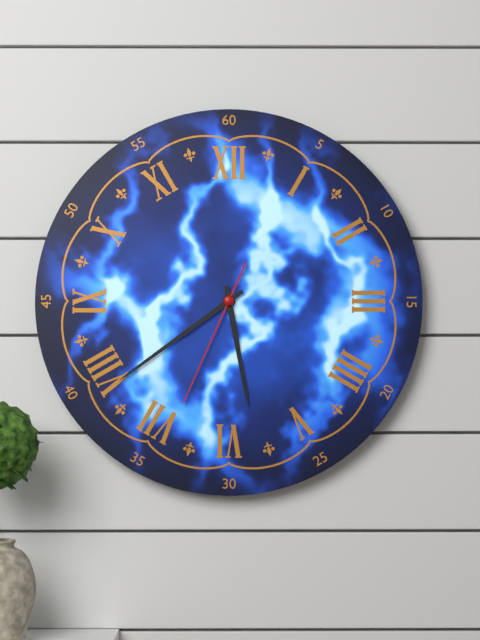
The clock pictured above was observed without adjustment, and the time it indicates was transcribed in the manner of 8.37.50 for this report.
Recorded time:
5.39.34
